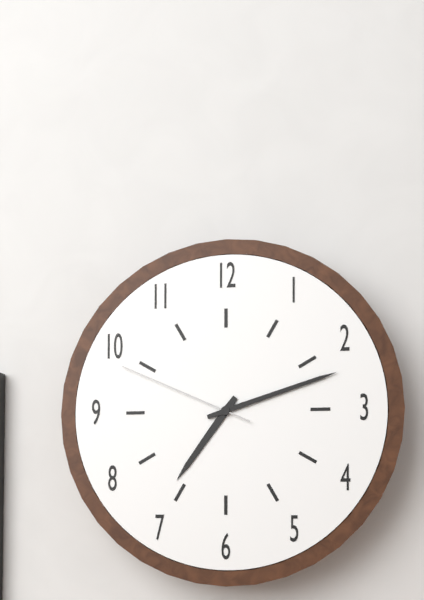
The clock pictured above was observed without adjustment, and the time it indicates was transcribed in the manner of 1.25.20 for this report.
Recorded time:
7.12.49
